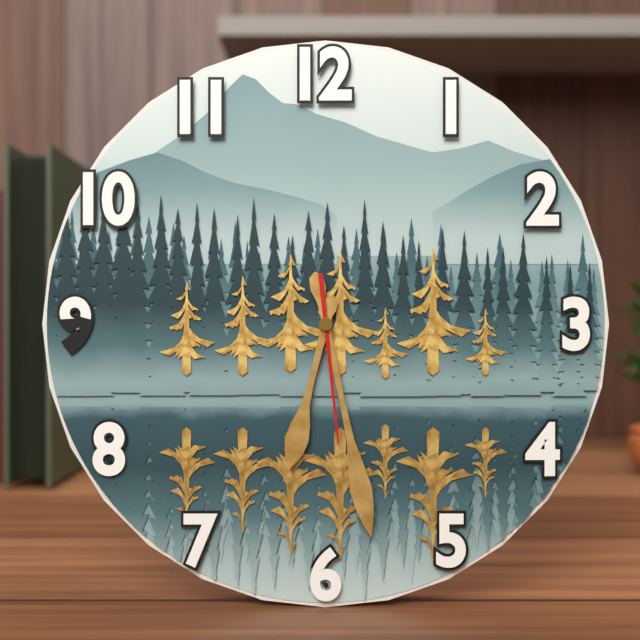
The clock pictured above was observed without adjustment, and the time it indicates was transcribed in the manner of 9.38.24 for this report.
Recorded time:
6.28.29
